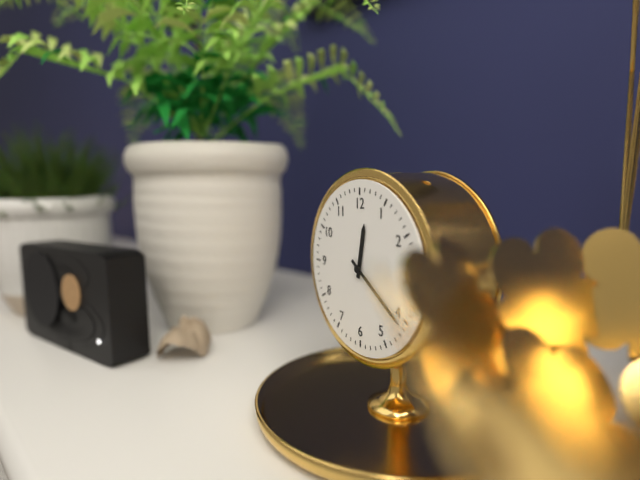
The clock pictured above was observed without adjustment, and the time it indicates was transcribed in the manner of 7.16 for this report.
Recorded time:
12.21
